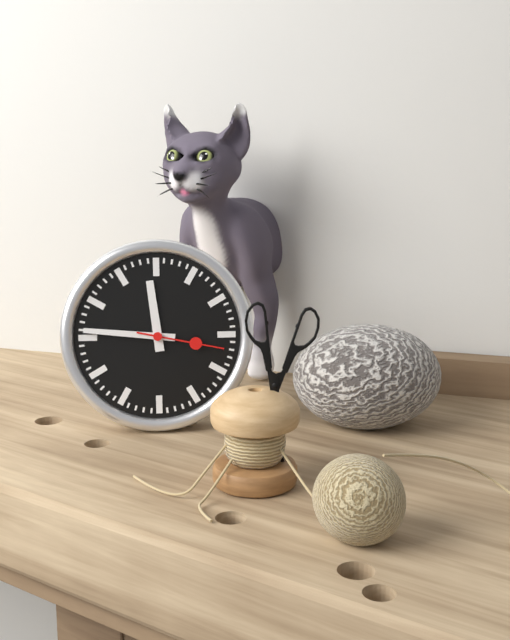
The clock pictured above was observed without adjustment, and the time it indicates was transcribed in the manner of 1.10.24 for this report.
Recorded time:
11.46.17
